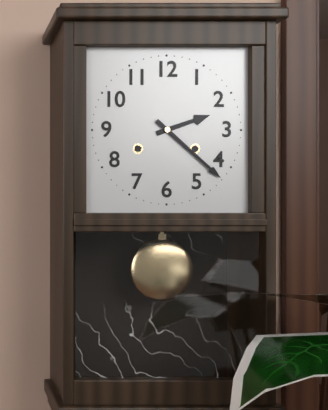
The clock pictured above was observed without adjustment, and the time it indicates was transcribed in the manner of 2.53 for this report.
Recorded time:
2.22
